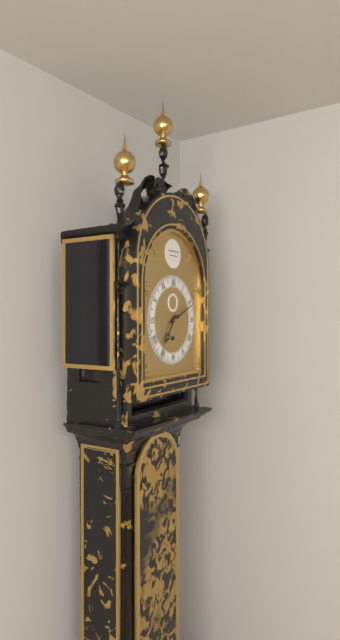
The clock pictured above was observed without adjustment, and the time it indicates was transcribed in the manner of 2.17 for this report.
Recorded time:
7.11
